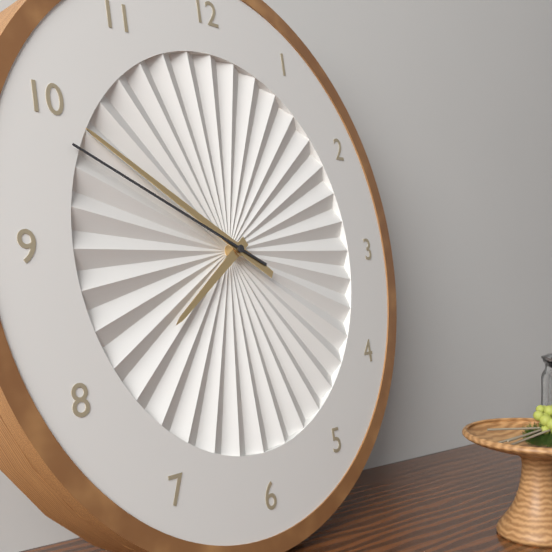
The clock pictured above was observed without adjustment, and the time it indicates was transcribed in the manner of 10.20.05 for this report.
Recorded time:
7.50.49
